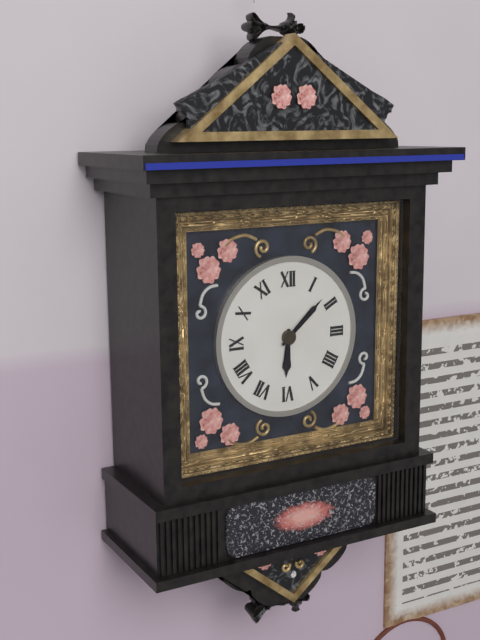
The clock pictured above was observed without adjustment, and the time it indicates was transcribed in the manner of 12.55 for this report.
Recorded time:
6.08
